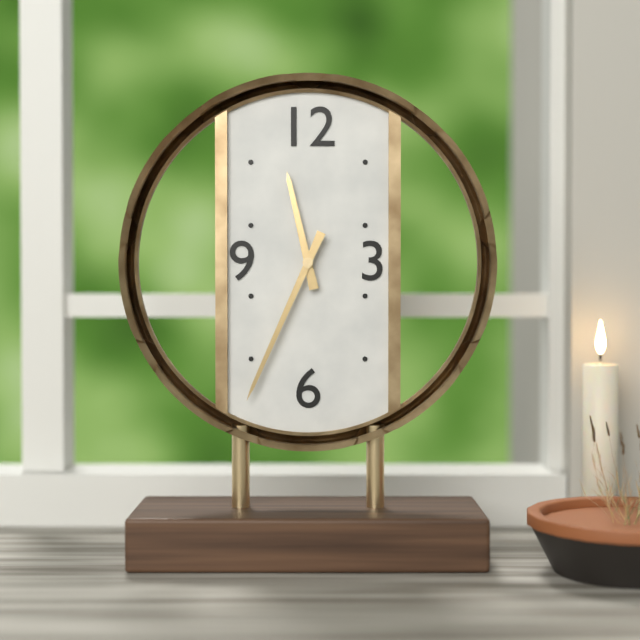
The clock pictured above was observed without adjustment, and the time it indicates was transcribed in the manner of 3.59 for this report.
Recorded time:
11.34
